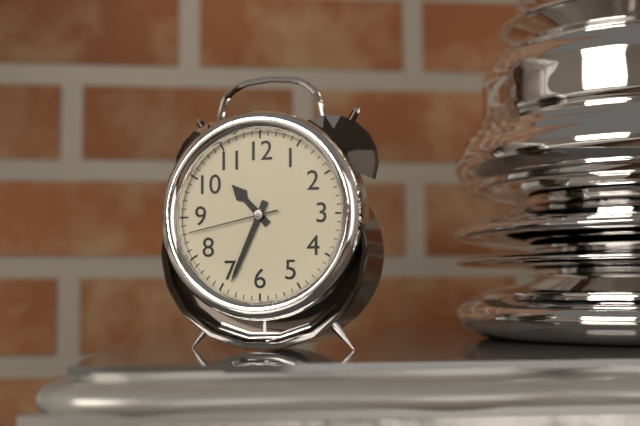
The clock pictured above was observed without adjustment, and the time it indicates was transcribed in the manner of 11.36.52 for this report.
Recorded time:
10.34.43
